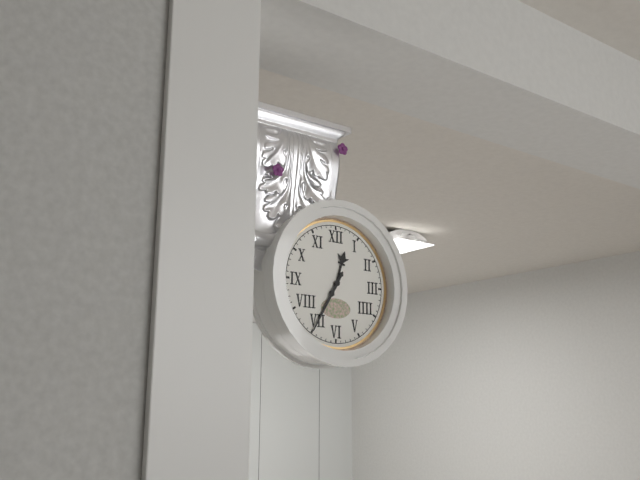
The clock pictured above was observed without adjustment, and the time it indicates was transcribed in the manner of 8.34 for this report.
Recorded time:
12.35
